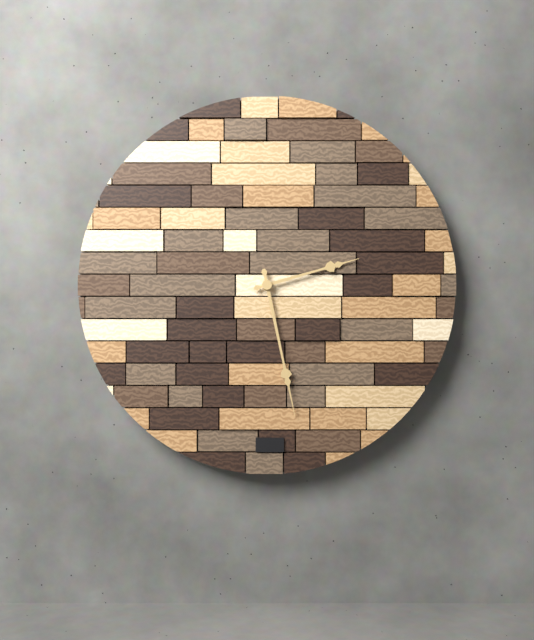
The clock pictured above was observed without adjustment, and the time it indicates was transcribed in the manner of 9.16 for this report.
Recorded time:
2.28
